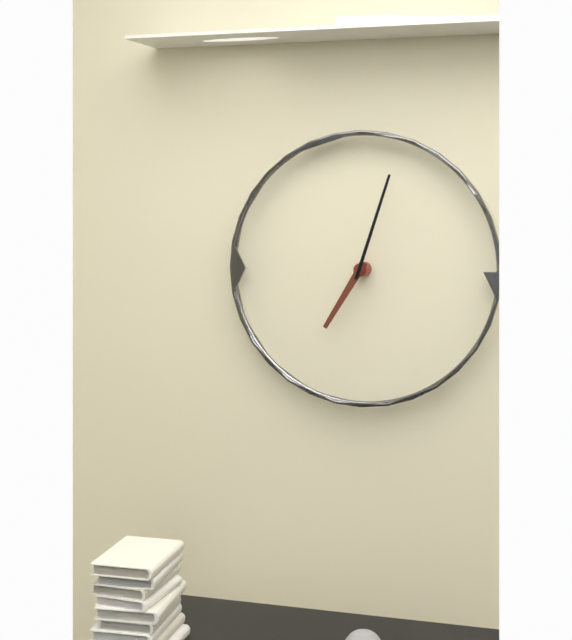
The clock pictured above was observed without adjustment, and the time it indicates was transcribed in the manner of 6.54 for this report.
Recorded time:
7.03
